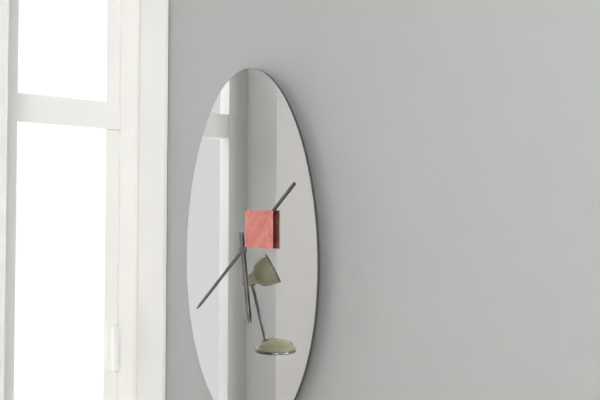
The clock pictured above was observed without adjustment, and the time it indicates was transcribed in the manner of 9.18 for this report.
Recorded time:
5.39
